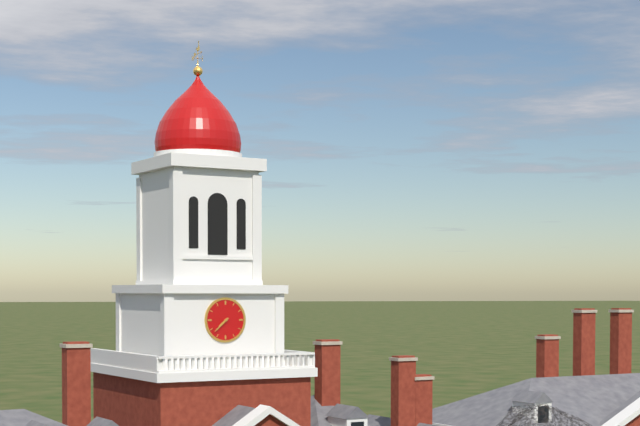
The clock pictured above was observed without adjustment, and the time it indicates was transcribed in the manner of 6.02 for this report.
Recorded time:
7.38
